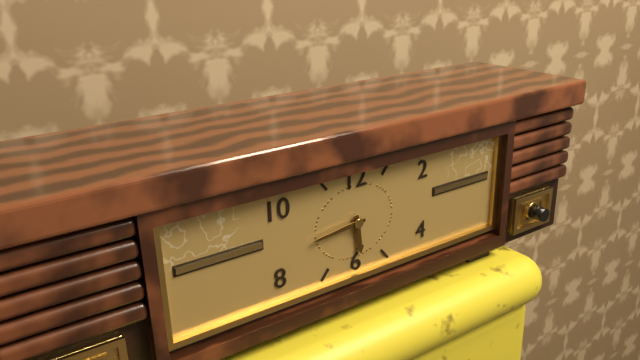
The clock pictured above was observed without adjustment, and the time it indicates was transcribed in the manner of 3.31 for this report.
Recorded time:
5.44
